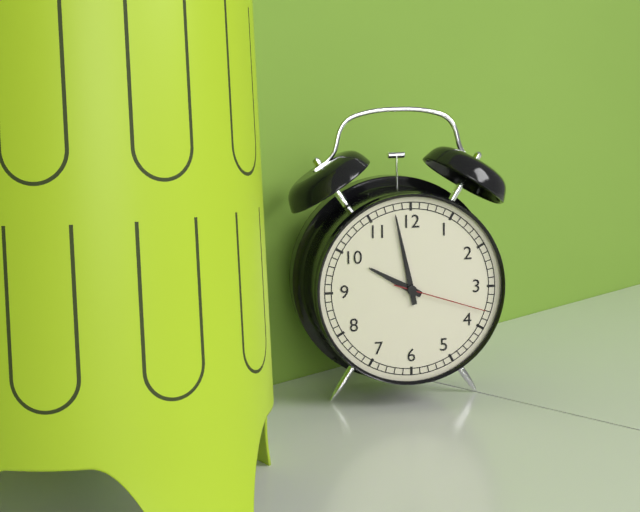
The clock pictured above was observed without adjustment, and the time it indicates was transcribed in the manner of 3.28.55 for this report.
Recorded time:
9.58.18
